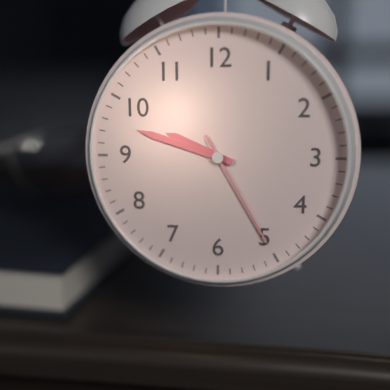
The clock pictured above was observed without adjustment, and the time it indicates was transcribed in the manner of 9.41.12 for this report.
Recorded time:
9.48.25
